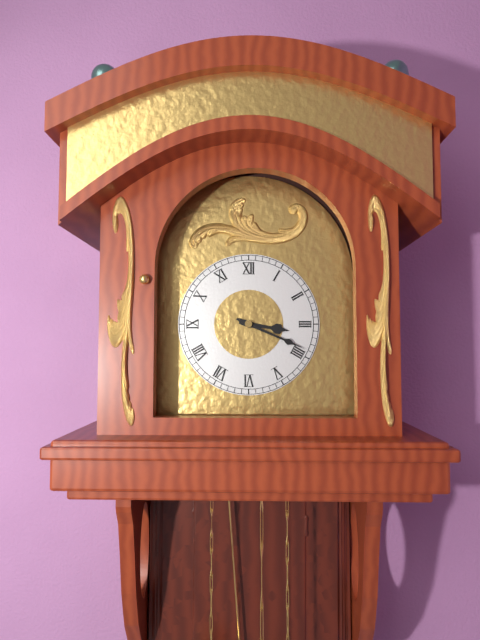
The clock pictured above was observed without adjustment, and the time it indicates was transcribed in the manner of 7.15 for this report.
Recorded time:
3.19
